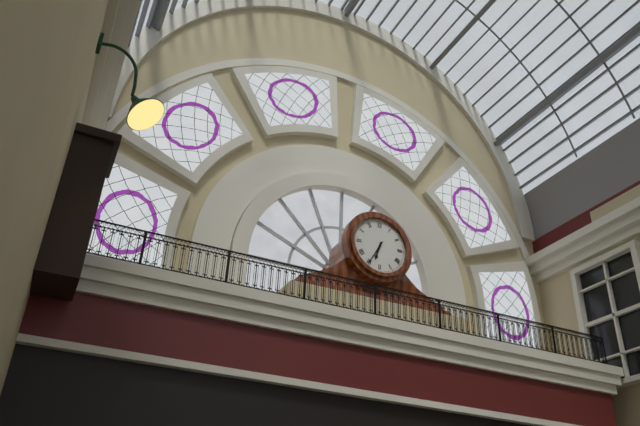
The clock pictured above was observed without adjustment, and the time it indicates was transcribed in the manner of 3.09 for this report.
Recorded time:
6.35
